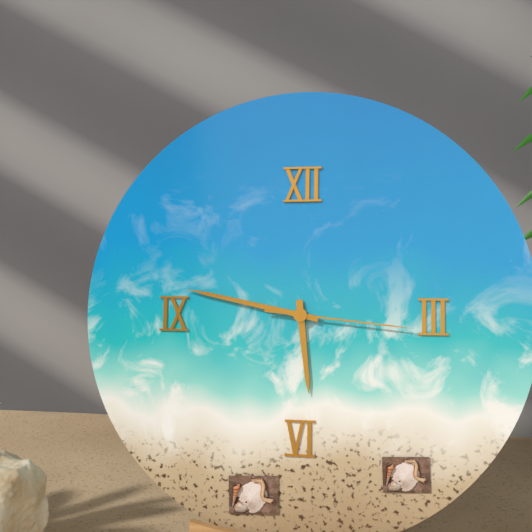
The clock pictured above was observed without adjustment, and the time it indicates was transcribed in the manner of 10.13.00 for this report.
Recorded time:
5.47.16
